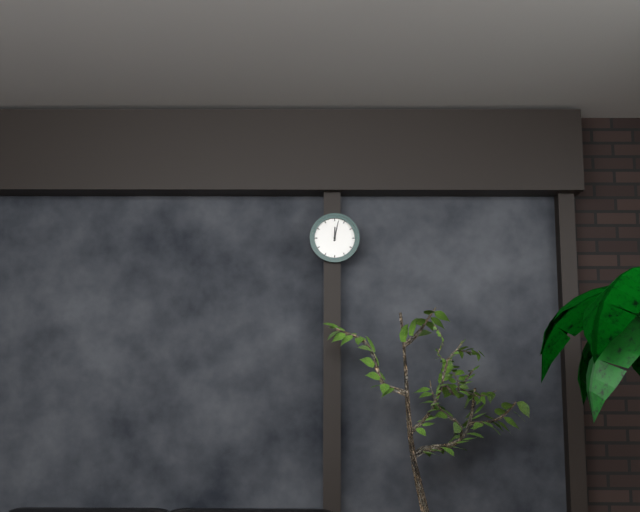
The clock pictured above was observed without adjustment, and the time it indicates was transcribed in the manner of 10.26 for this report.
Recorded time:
12.02
